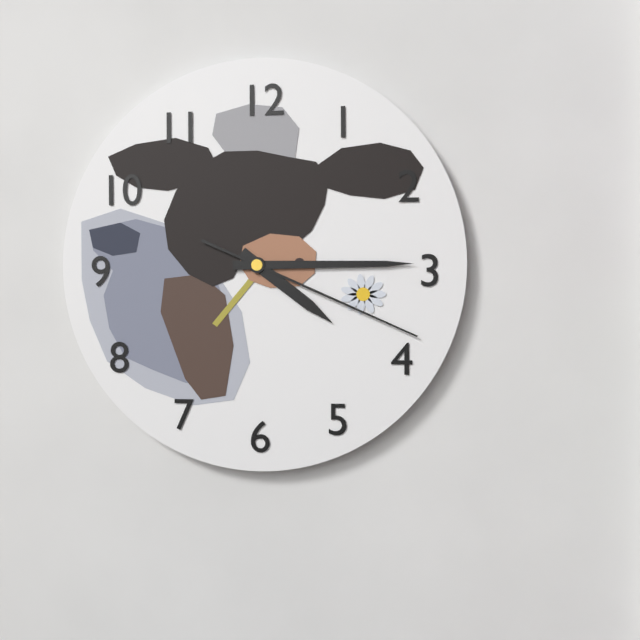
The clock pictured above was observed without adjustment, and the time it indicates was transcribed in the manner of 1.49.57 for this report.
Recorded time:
4.15.19
